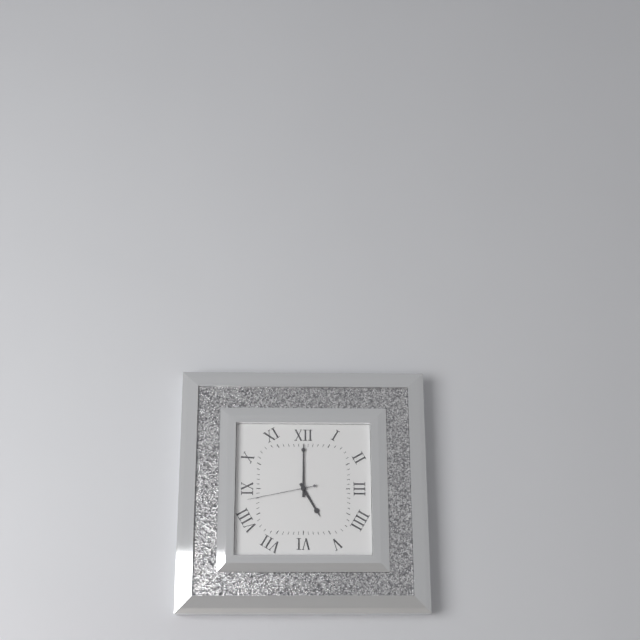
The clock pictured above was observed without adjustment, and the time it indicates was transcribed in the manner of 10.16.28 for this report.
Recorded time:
5.00.43
